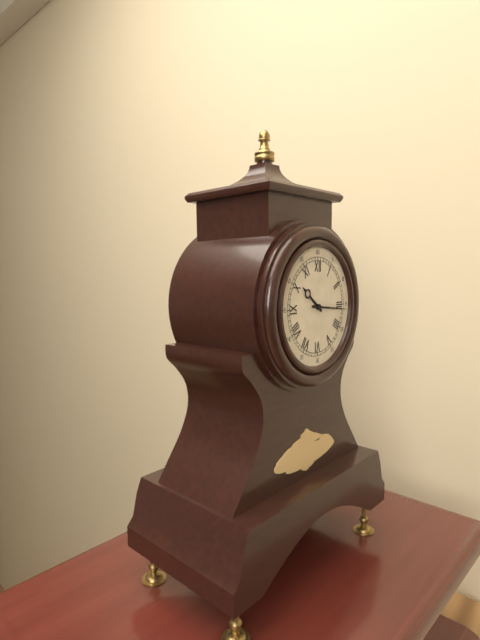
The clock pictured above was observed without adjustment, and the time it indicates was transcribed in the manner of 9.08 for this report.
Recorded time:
10.16
